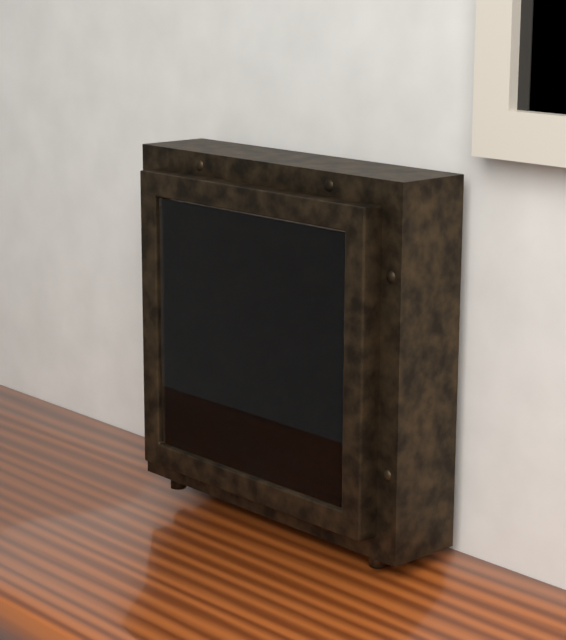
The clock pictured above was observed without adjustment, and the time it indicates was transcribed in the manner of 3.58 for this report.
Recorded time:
3.33
